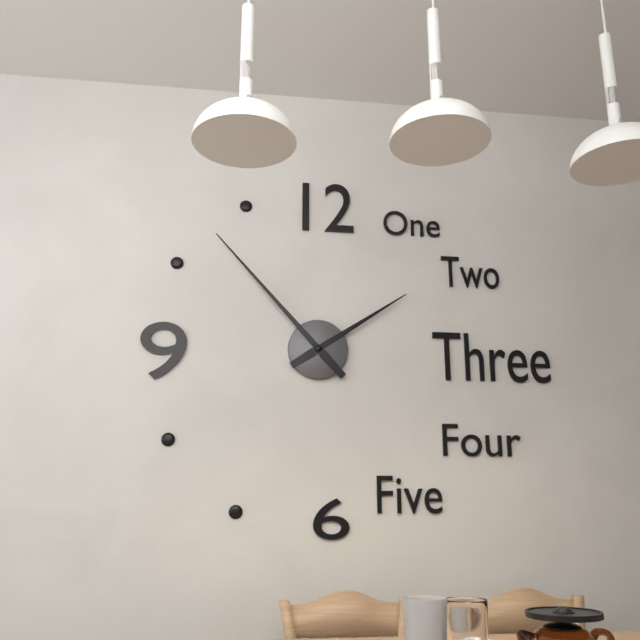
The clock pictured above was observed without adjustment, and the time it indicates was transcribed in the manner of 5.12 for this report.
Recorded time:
1.53
